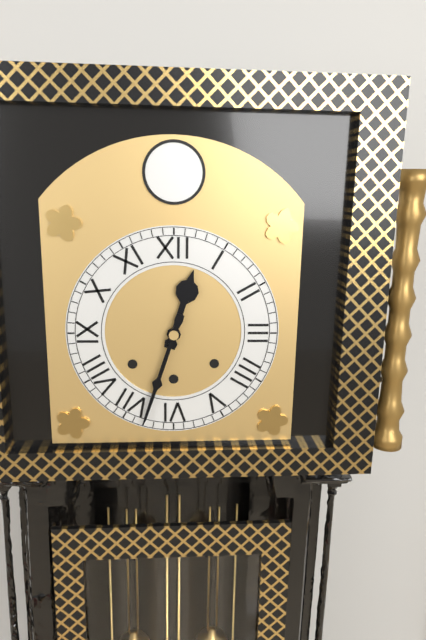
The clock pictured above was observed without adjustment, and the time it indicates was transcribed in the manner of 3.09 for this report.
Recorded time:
12.33
